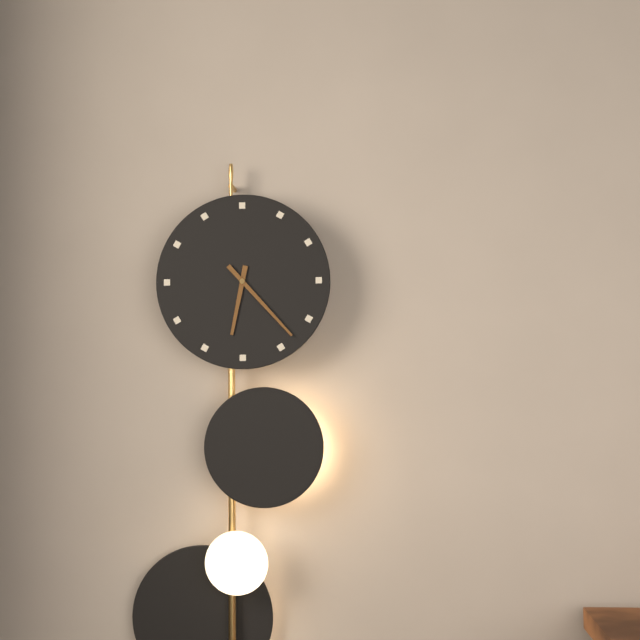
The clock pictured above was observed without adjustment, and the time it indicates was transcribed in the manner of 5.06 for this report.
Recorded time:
6.23
